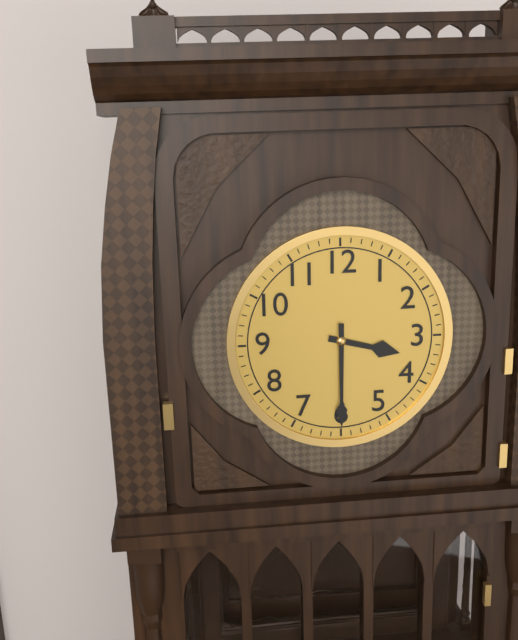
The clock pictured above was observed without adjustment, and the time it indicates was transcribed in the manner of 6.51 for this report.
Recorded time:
3.30
